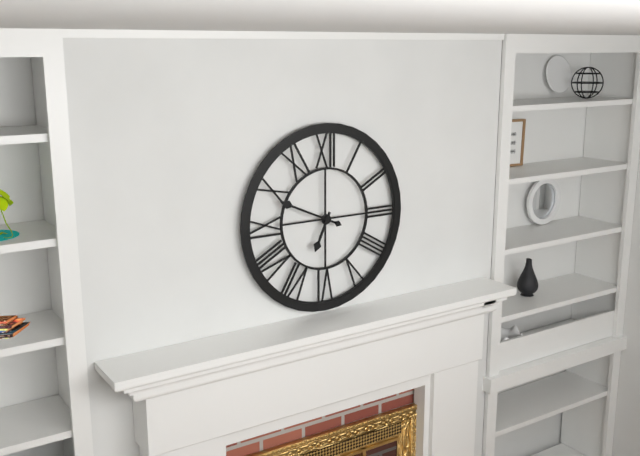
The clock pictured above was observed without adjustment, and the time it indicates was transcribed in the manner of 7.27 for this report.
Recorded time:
6.49
